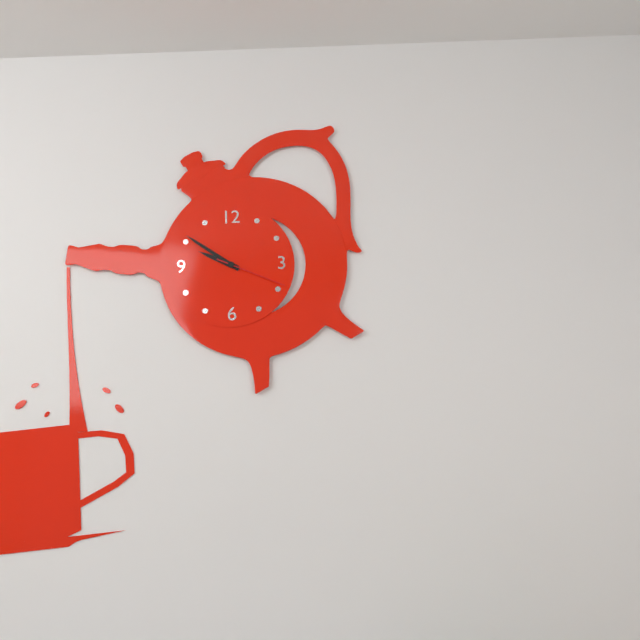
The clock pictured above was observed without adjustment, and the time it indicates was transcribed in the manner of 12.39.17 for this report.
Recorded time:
9.51.19
